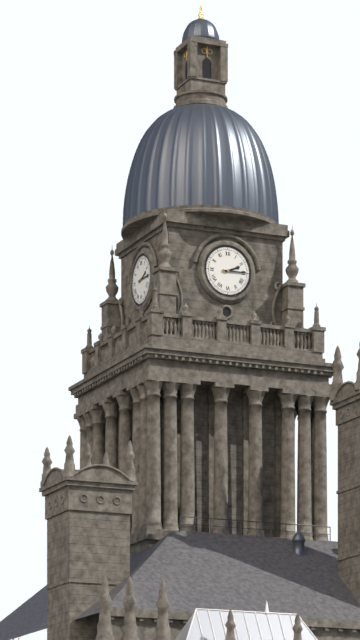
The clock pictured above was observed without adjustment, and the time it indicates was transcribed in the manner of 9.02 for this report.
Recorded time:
2.15
